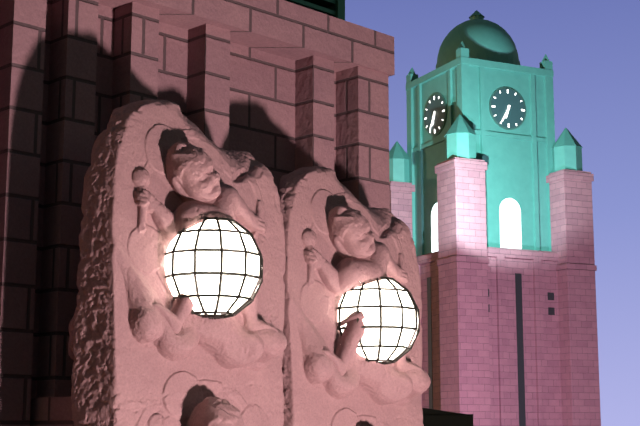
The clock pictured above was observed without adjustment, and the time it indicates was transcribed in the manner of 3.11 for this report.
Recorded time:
6.35
